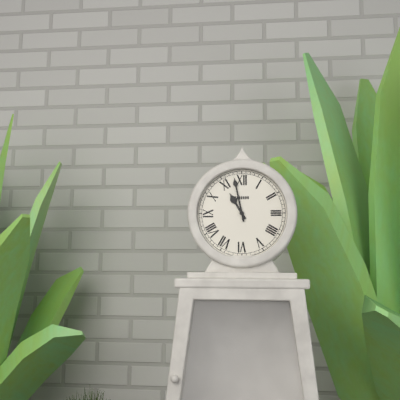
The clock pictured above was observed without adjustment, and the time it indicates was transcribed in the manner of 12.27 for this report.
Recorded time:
10.58
